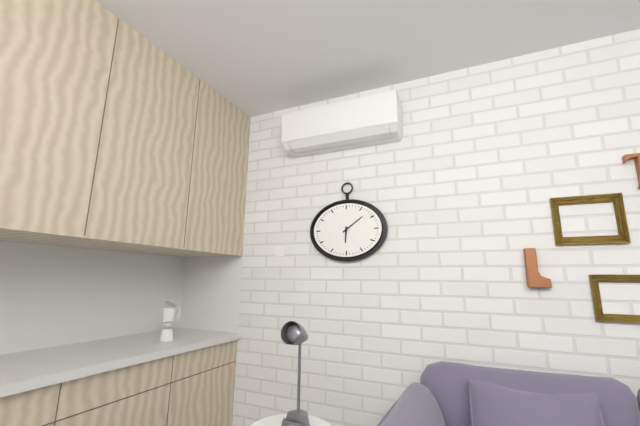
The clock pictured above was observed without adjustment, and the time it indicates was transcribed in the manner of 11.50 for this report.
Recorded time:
6.09
